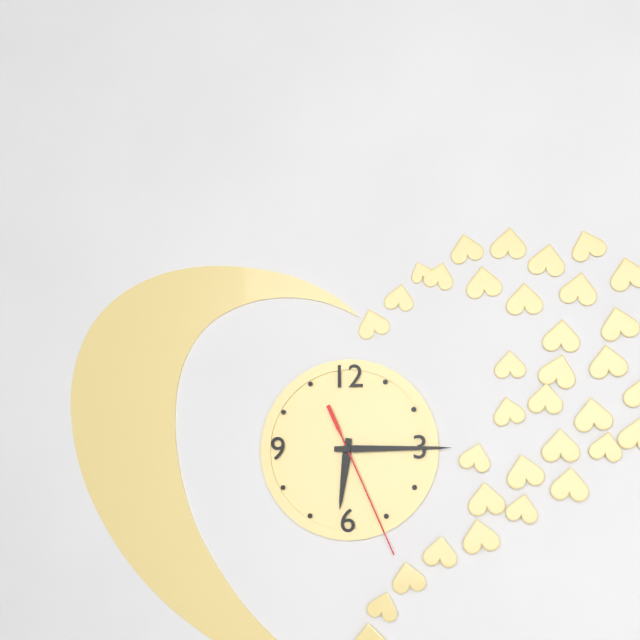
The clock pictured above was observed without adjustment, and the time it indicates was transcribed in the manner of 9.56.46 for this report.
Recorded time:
6.15.26
